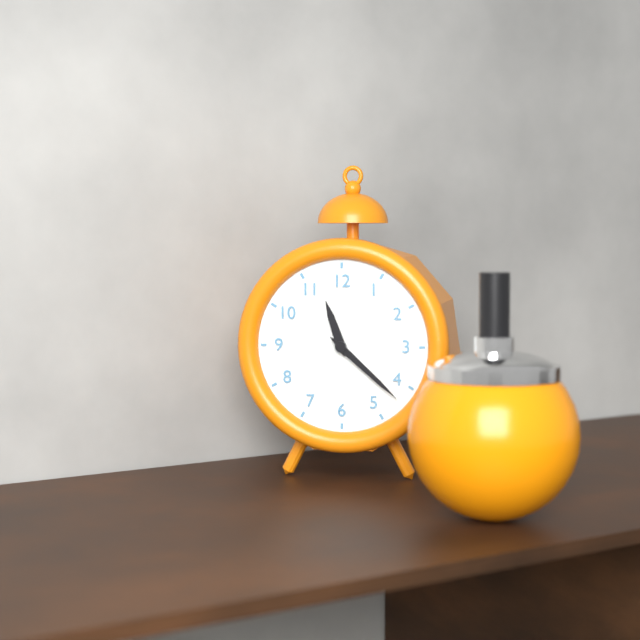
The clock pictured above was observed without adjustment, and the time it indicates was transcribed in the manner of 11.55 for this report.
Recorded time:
11.22
